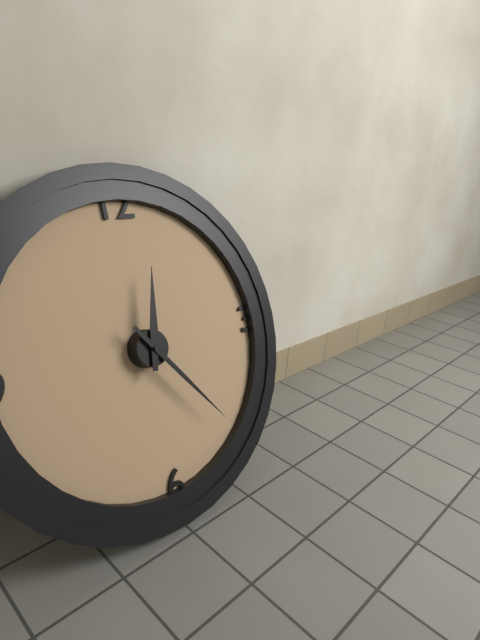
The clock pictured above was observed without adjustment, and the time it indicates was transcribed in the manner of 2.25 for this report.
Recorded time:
12.24
